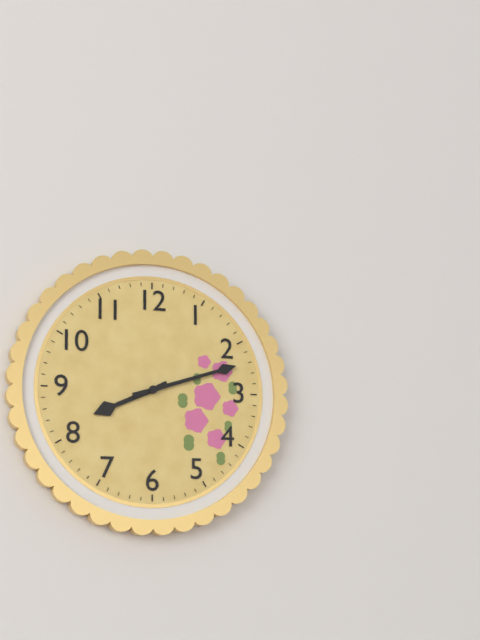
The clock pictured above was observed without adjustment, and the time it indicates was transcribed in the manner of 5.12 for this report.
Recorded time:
8.12
